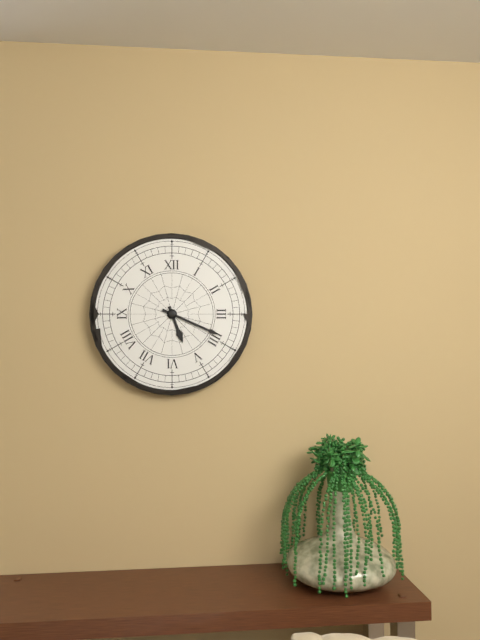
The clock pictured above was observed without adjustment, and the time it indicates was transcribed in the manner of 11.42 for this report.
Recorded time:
5.19
